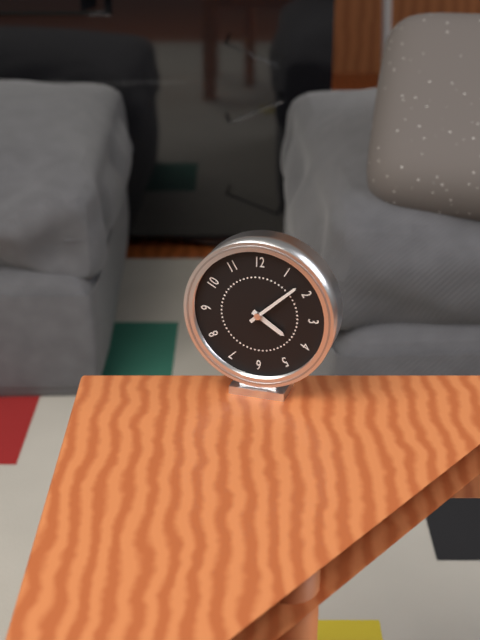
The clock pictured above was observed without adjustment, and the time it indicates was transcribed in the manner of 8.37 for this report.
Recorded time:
4.08
